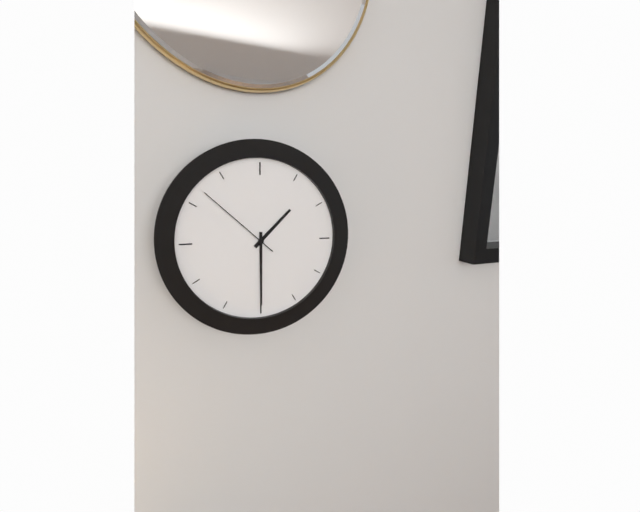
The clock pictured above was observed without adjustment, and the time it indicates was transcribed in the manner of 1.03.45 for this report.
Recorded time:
1.30.52
